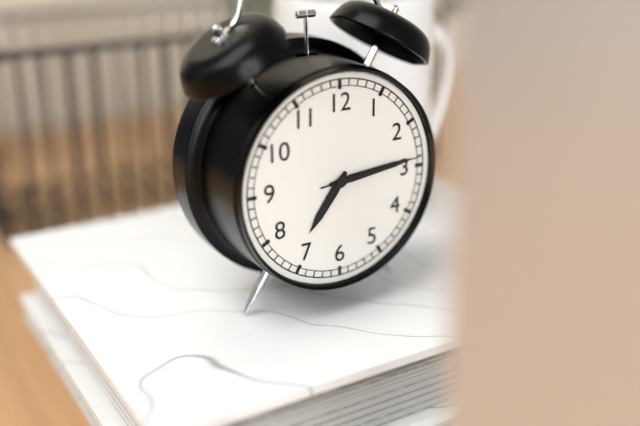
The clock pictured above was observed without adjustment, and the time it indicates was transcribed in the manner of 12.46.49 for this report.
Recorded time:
7.14.14
